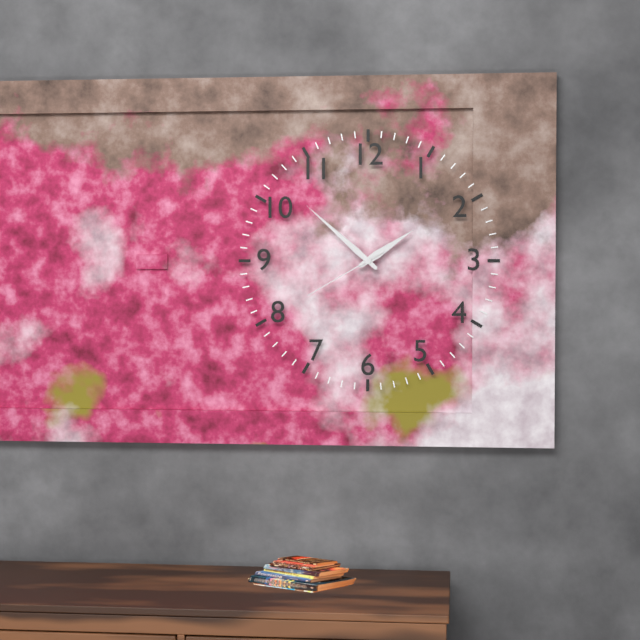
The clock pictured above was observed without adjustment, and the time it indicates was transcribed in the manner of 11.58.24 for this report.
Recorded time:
1.52.40
